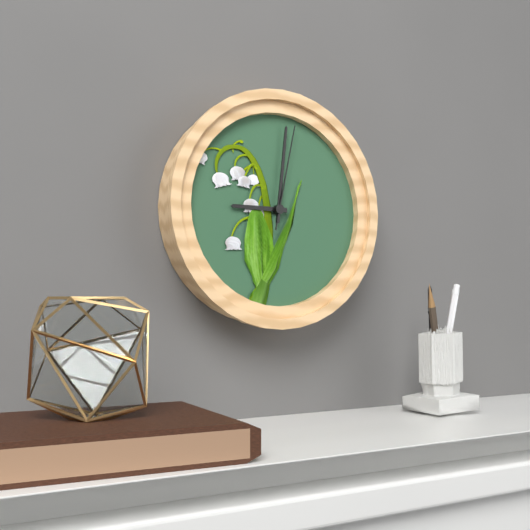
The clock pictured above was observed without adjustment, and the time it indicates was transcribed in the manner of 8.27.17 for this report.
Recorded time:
9.01.02
